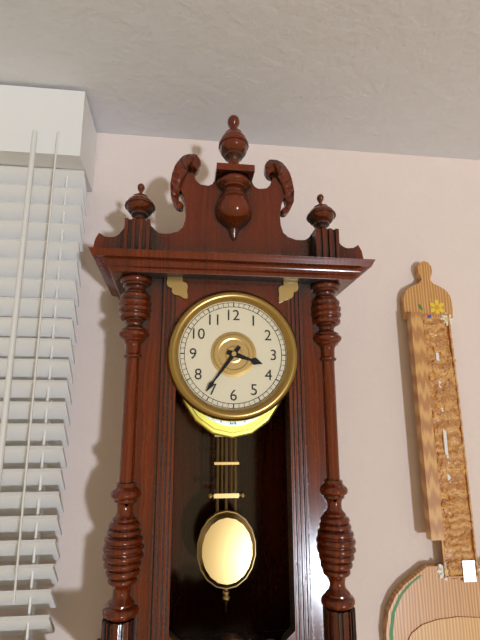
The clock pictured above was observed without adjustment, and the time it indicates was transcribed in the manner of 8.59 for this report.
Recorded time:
3.36
